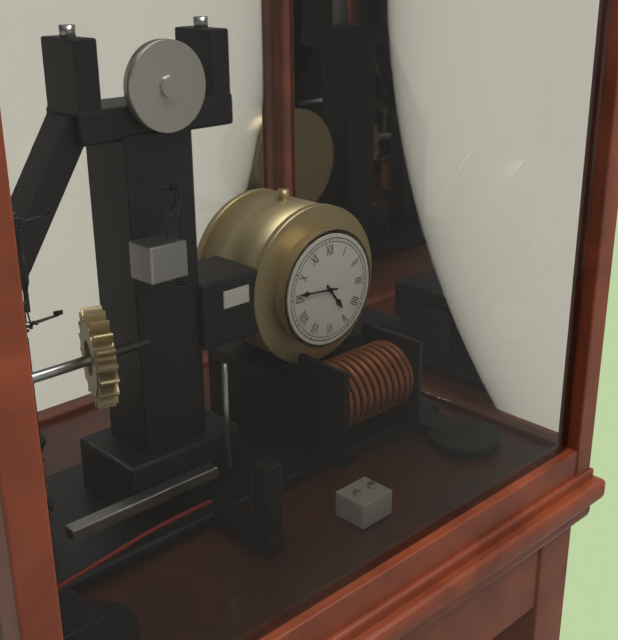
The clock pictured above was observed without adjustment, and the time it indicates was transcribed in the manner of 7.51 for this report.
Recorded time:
4.46
